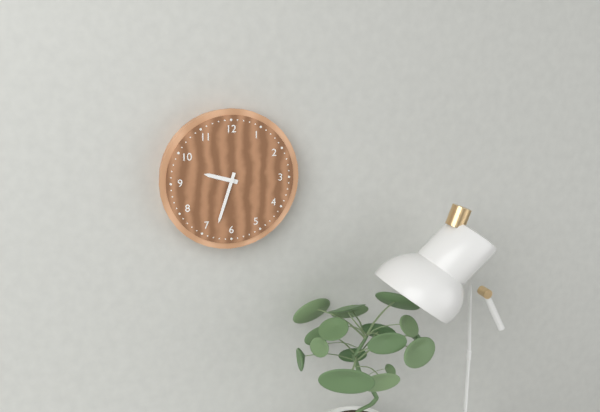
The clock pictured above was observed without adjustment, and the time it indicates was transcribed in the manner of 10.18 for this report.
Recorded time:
9.33
